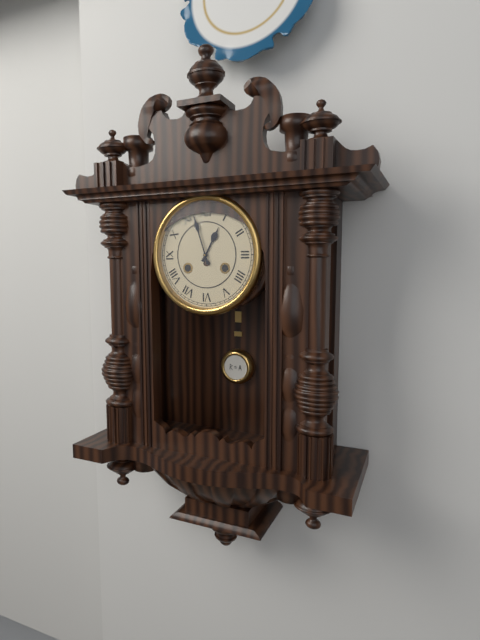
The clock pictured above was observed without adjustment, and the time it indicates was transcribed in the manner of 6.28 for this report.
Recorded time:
12.57
